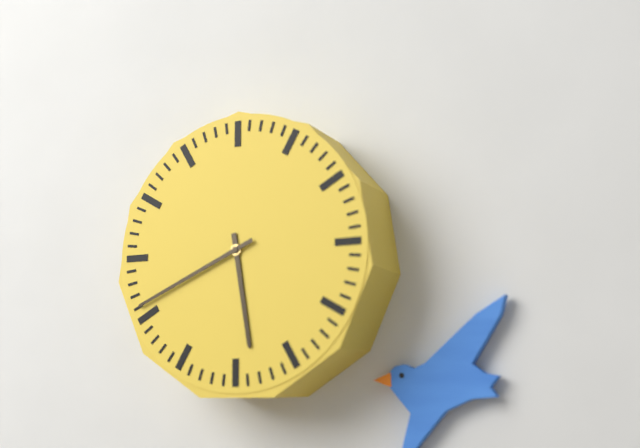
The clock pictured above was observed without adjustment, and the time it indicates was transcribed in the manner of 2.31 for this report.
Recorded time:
5.41
